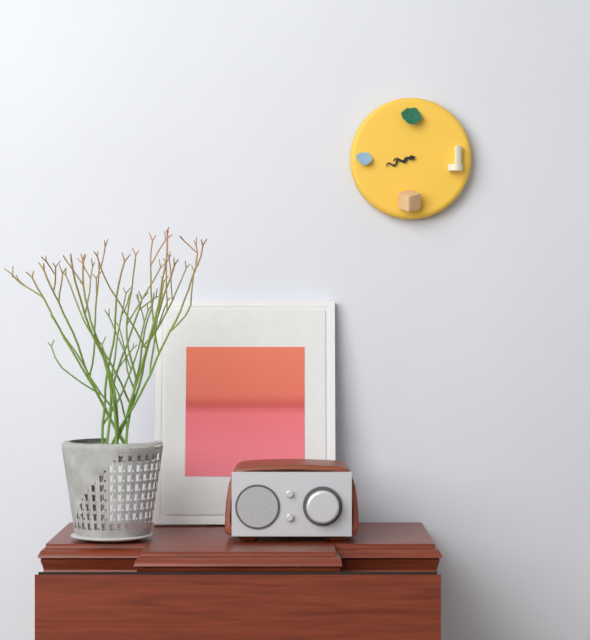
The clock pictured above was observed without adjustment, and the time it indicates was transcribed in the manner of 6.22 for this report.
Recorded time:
8.42
